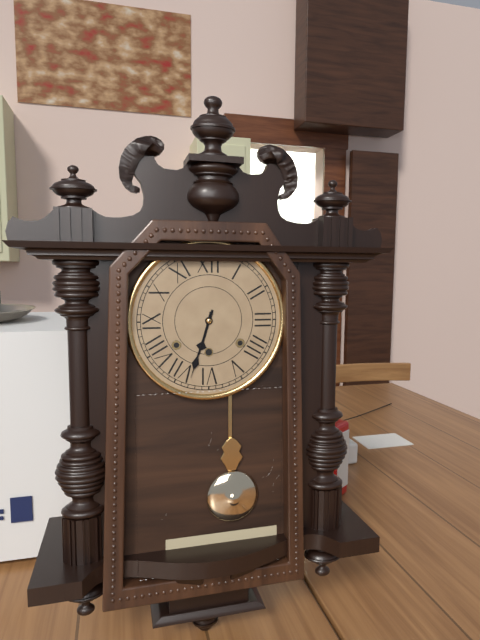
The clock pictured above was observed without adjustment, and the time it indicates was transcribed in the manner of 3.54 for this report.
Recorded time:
6.33
